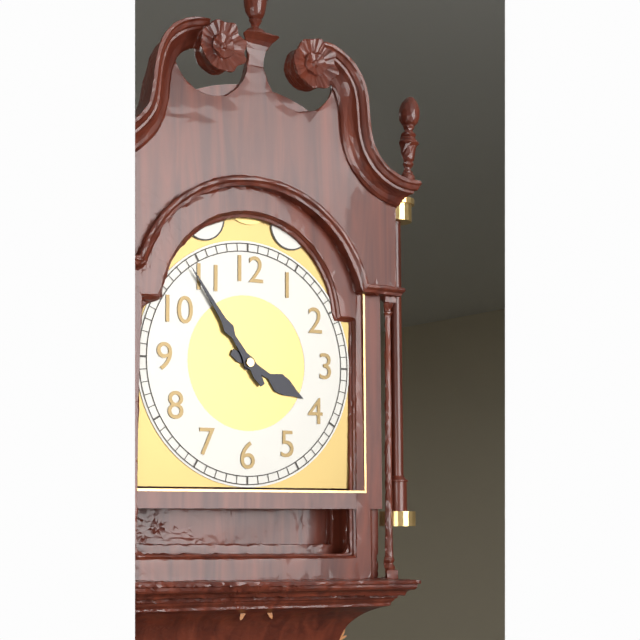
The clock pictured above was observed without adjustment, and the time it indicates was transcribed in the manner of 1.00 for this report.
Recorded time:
3.54
